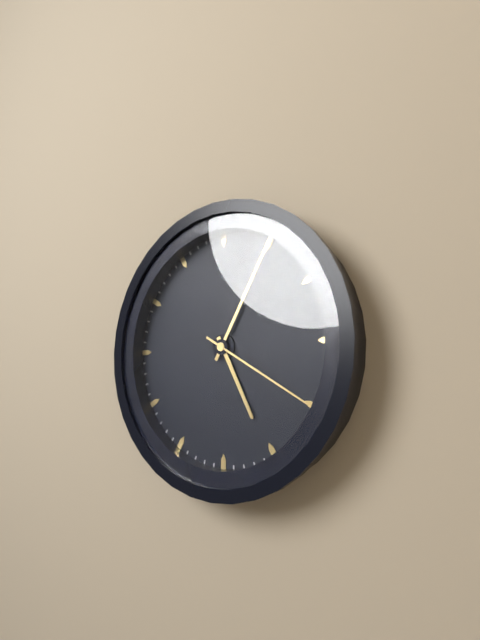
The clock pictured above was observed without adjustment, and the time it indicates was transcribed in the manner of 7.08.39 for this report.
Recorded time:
5.05.20
